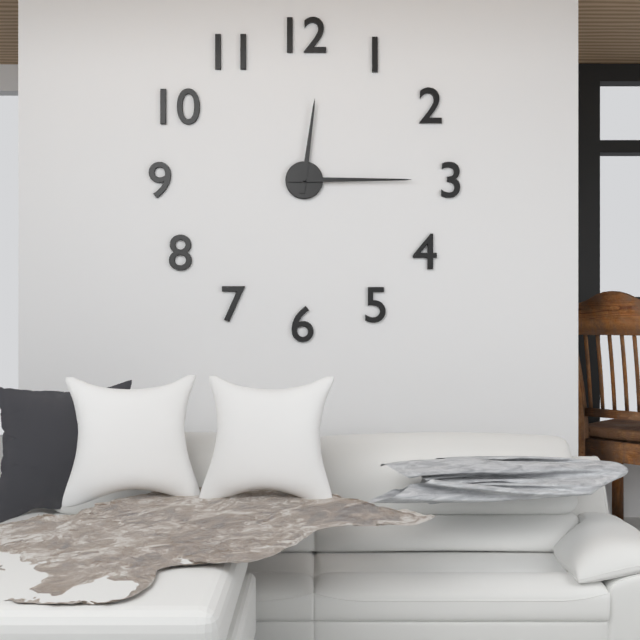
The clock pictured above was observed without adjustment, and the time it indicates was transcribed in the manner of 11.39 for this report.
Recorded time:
12.15
